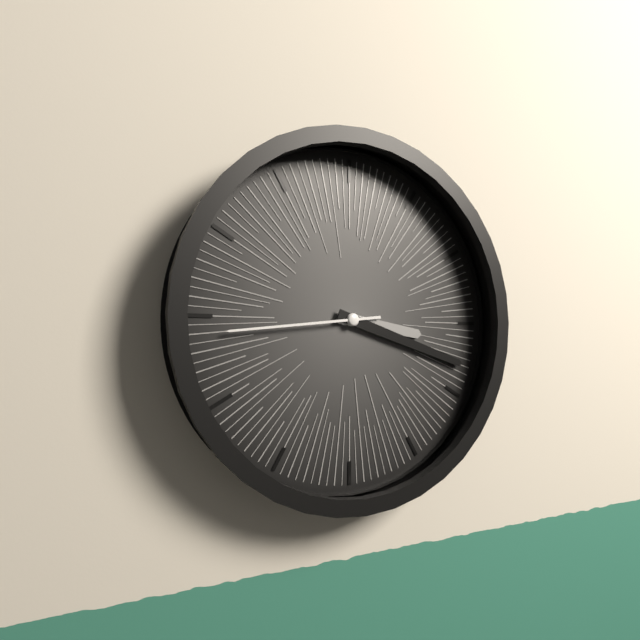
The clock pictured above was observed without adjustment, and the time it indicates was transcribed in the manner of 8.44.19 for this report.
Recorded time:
3.18.44
